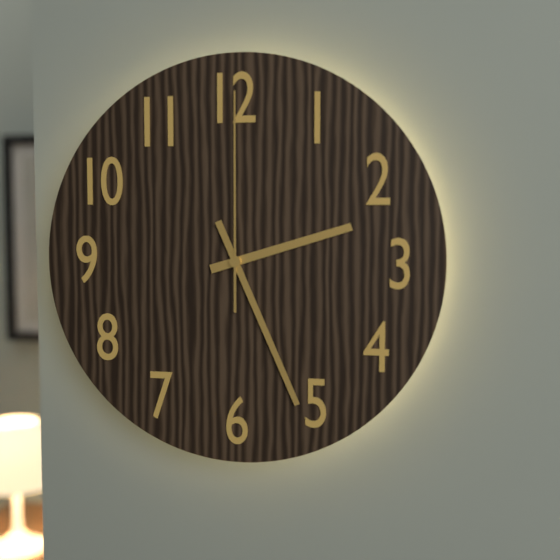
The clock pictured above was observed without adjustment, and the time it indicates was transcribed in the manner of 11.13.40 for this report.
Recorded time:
2.26.00
